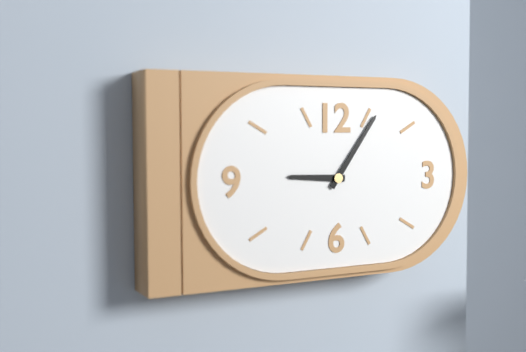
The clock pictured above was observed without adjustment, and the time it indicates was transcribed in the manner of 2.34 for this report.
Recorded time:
9.06
